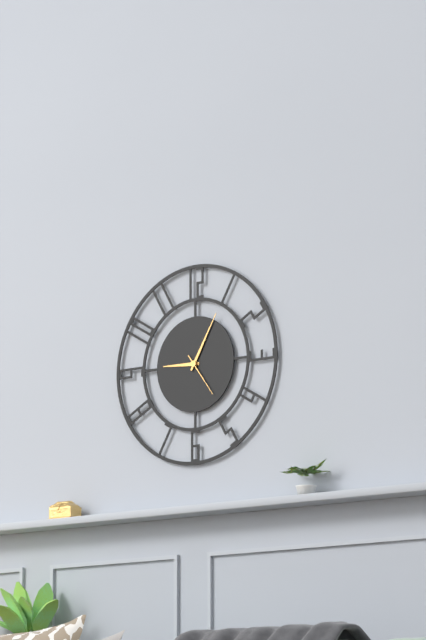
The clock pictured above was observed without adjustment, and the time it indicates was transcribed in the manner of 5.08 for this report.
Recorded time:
9.05
